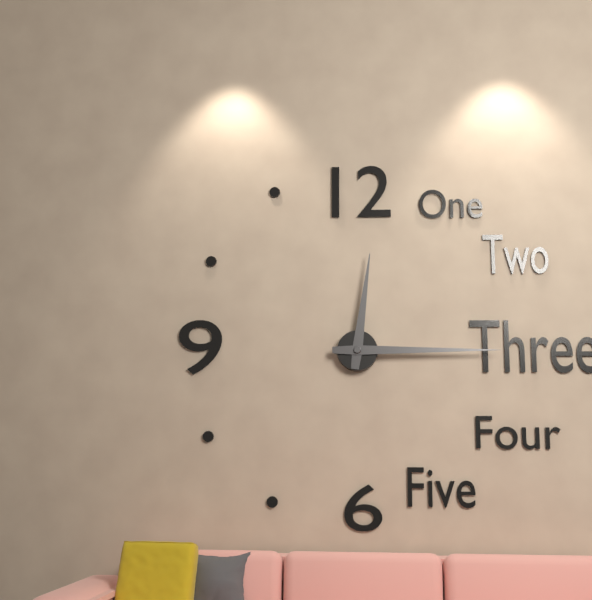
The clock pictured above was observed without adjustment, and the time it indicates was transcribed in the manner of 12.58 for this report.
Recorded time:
12.15
